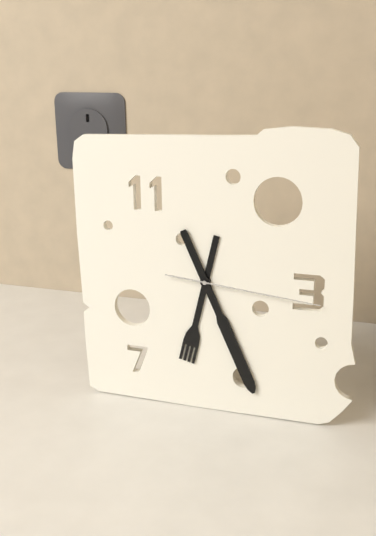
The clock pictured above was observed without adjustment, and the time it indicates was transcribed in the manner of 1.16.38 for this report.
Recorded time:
6.26.16
